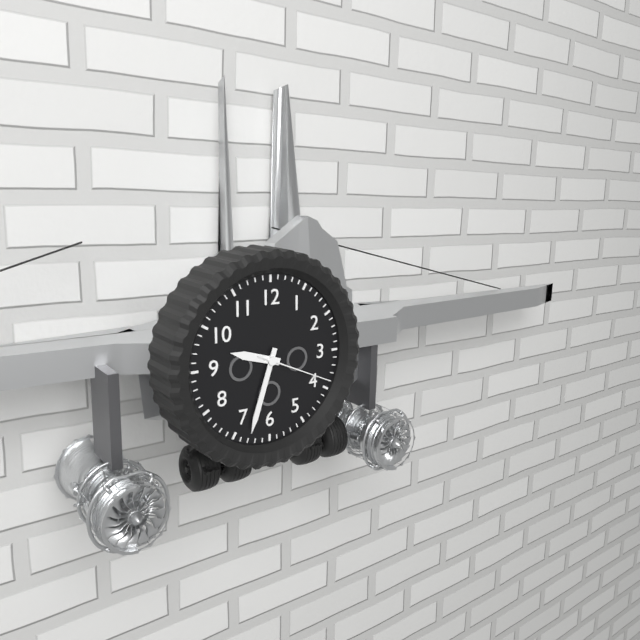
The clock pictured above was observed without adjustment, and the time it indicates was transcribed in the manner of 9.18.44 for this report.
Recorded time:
9.33.19
